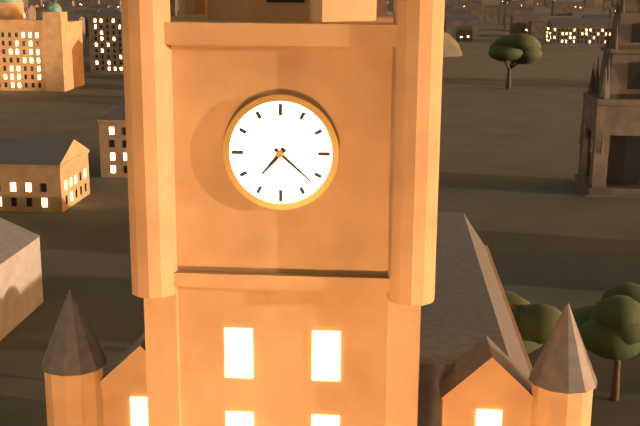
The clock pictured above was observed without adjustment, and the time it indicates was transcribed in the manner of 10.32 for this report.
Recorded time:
7.22
